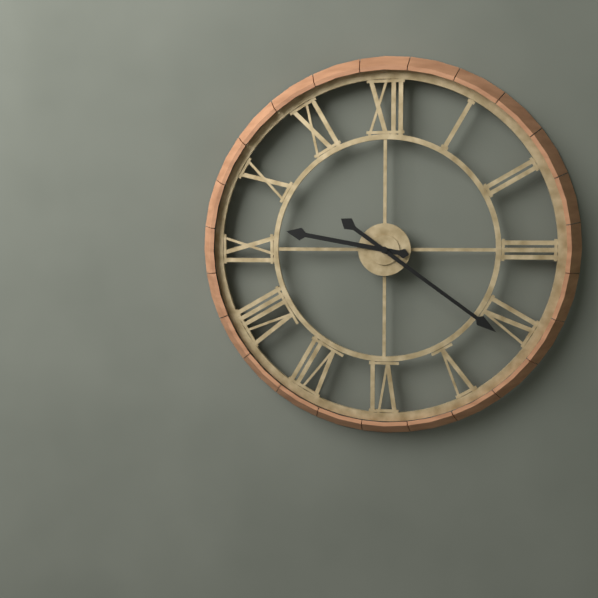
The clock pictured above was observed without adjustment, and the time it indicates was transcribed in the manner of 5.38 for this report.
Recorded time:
9.21
